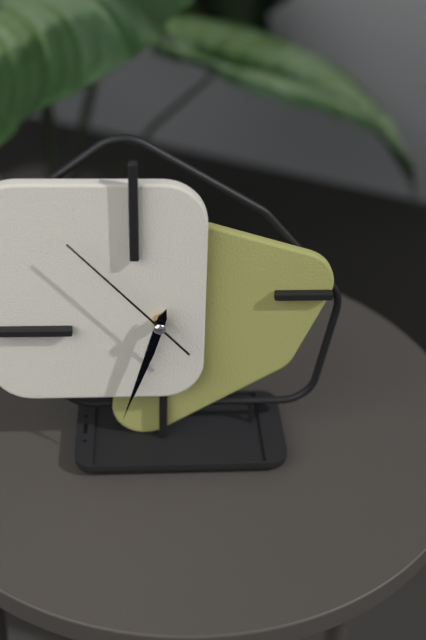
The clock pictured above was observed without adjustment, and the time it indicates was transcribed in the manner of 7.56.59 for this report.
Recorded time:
6.33.53
